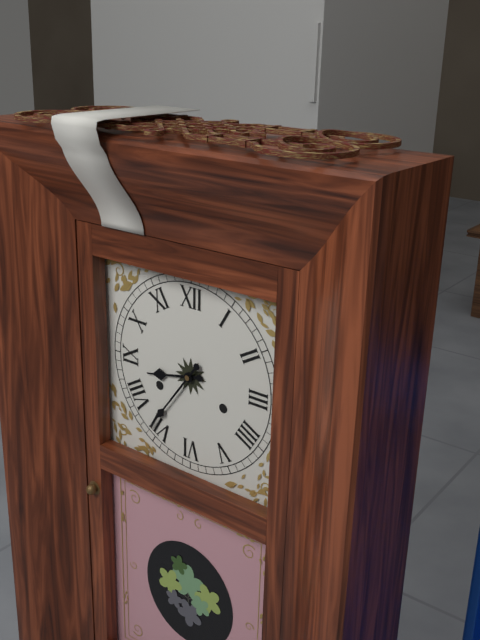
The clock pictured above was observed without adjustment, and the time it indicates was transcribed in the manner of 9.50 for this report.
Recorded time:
8.36
